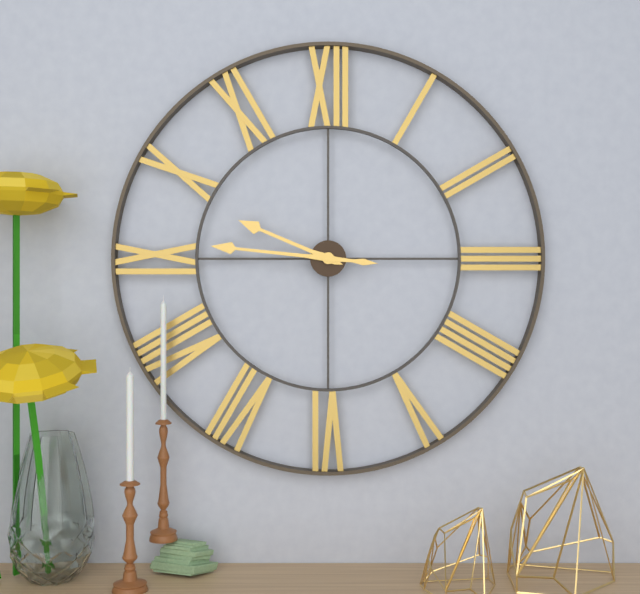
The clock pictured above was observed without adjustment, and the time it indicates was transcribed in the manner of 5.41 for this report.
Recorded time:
9.46
